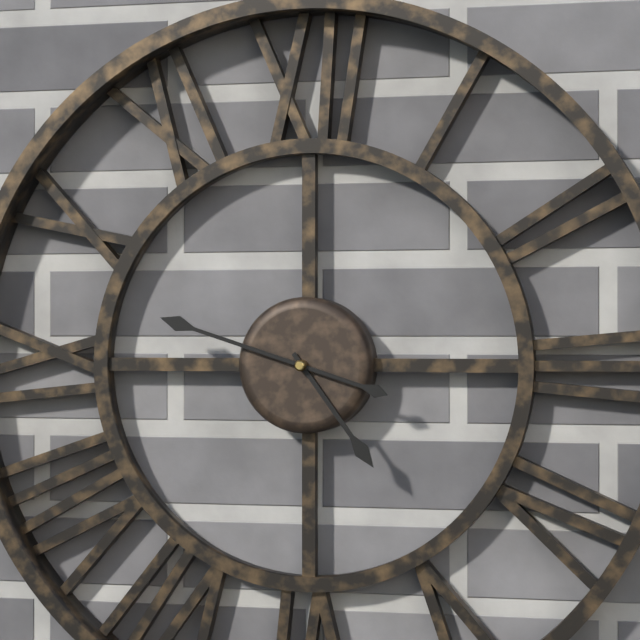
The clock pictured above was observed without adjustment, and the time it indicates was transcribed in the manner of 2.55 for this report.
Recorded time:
4.48
